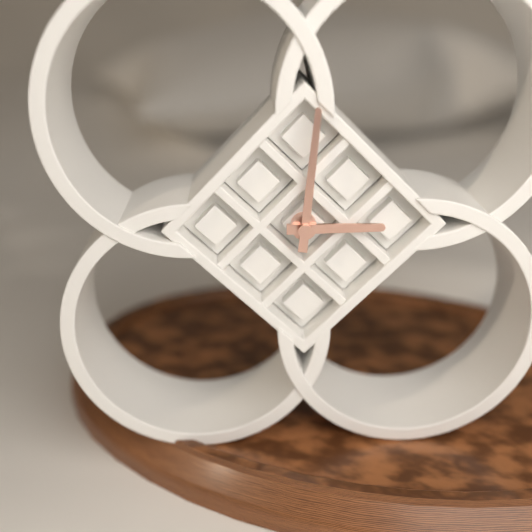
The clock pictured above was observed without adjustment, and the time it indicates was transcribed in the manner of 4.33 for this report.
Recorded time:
3.01
